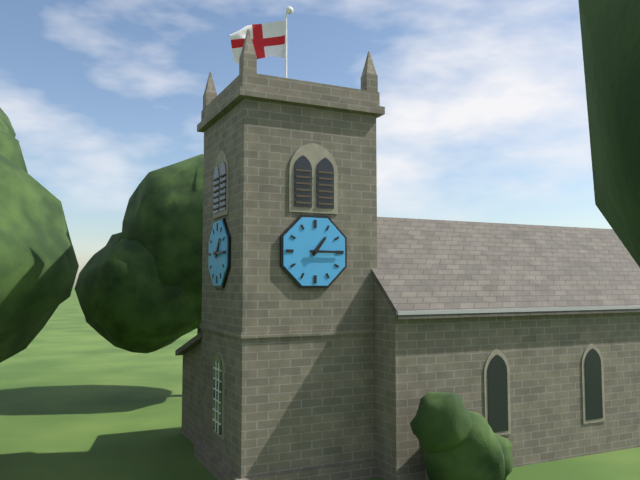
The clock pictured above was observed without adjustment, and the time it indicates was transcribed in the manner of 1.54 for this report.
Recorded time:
1.15
